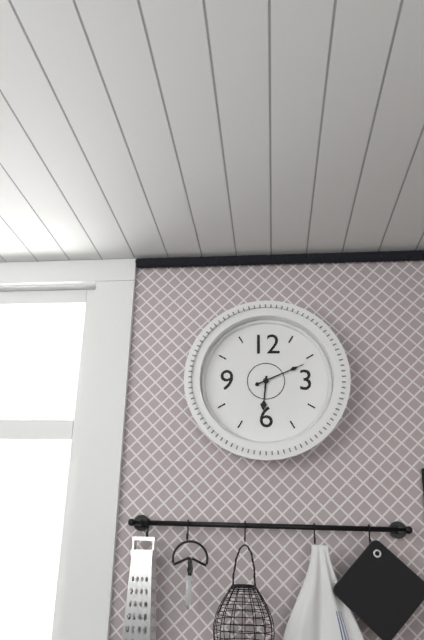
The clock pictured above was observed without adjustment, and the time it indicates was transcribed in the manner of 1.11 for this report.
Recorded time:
6.11
